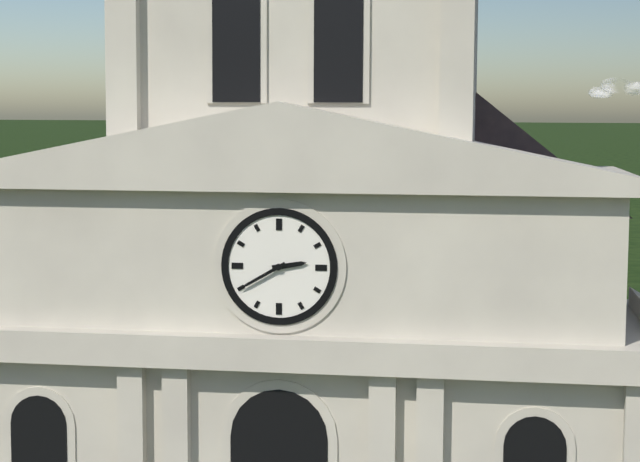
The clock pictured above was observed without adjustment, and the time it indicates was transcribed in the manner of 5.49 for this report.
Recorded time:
2.40
